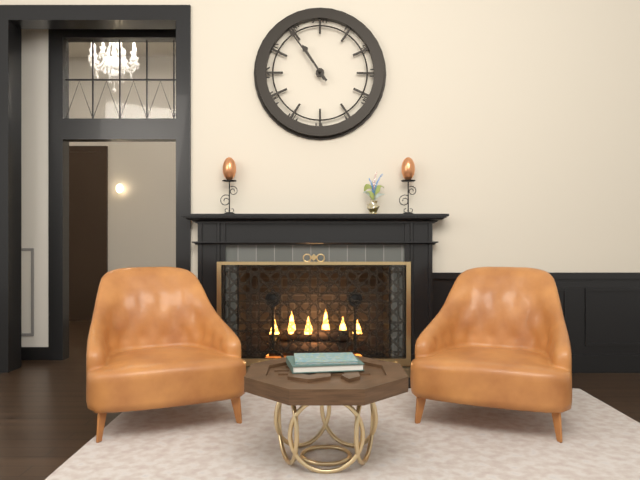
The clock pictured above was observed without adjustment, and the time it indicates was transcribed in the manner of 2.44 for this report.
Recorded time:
10.54
